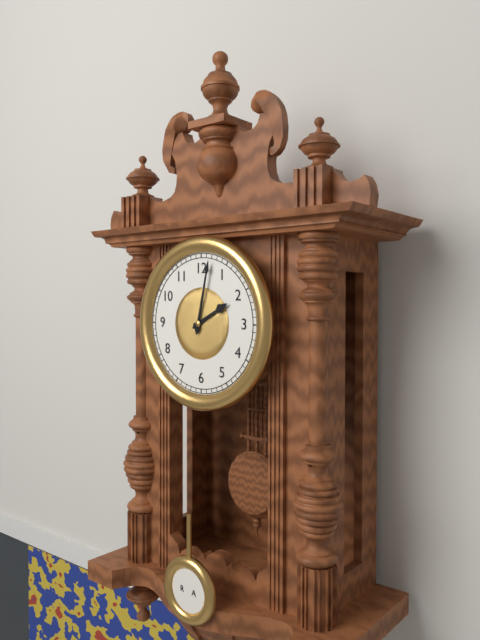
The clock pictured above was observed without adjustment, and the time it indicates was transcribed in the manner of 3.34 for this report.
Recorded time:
2.02
